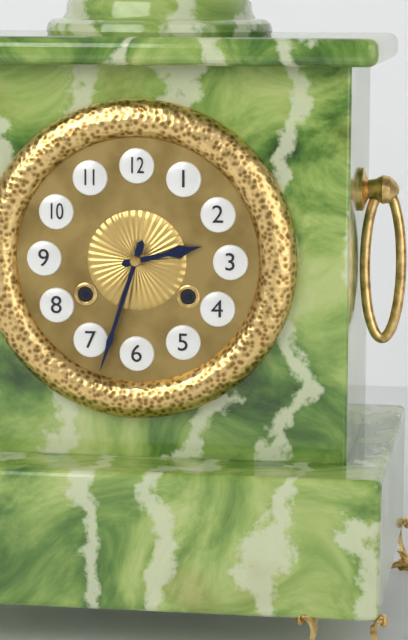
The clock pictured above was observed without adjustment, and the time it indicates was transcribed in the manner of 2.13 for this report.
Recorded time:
2.33
